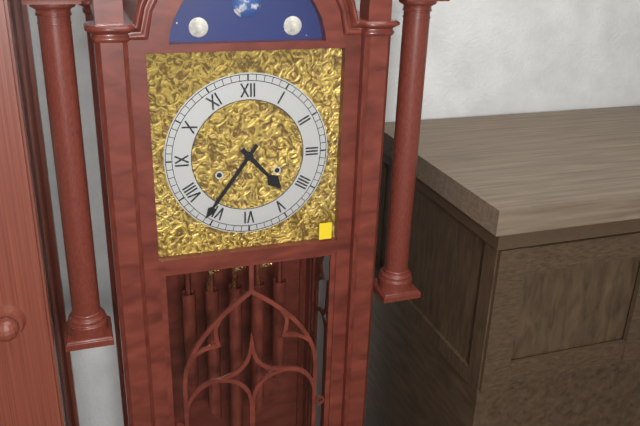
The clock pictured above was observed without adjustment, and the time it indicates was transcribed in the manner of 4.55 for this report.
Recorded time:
4.36
